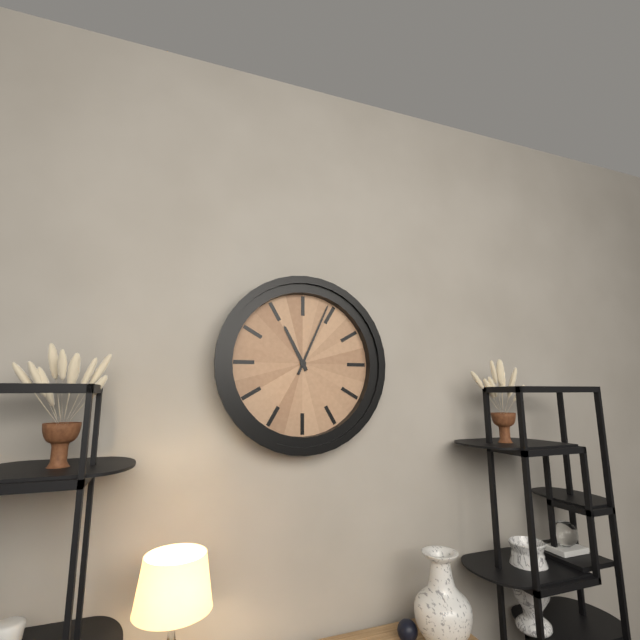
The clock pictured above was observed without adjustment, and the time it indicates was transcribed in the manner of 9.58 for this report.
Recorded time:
11.04
